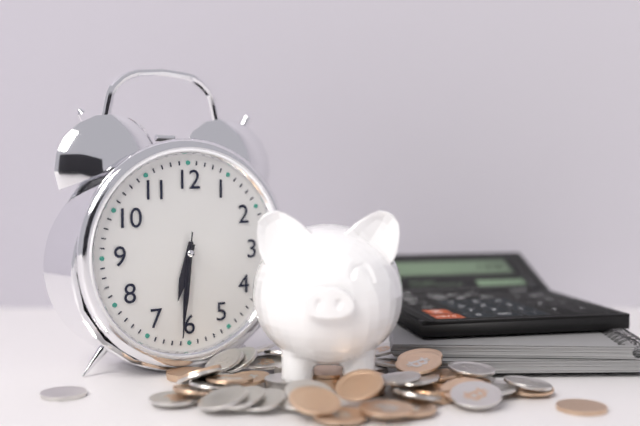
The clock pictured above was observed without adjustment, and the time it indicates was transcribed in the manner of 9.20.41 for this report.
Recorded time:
6.31.31
